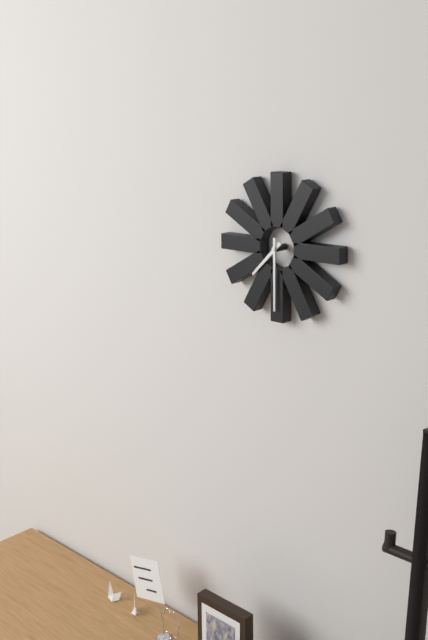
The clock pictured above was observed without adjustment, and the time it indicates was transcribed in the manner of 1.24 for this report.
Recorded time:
7.30
